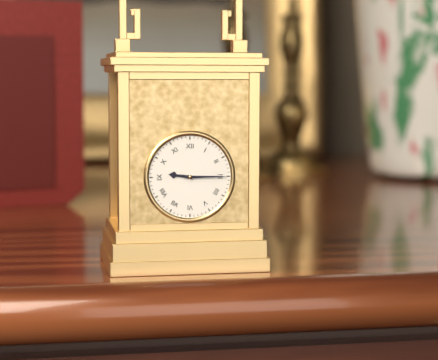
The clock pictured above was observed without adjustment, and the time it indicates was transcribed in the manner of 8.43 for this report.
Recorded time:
9.15
